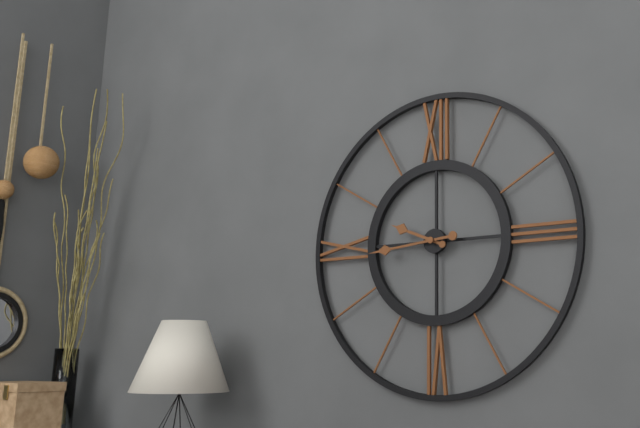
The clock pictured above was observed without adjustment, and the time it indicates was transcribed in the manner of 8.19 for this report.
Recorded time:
9.44
